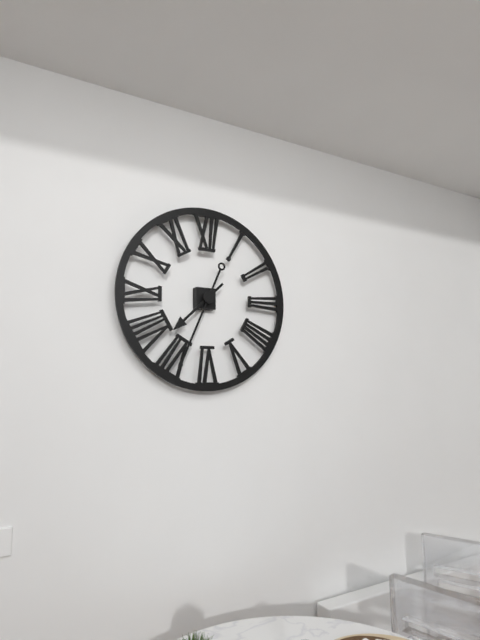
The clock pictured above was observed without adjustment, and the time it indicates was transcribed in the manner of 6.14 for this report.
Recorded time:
7.34
